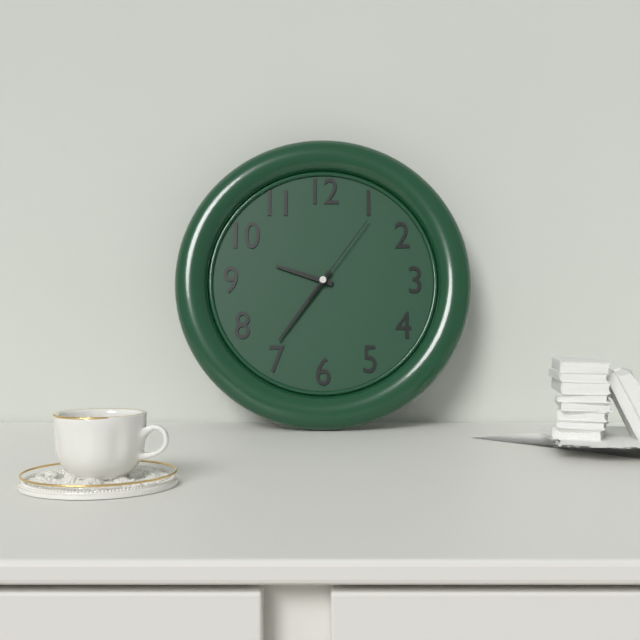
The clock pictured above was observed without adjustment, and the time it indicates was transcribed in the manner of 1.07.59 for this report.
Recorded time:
9.36.06
